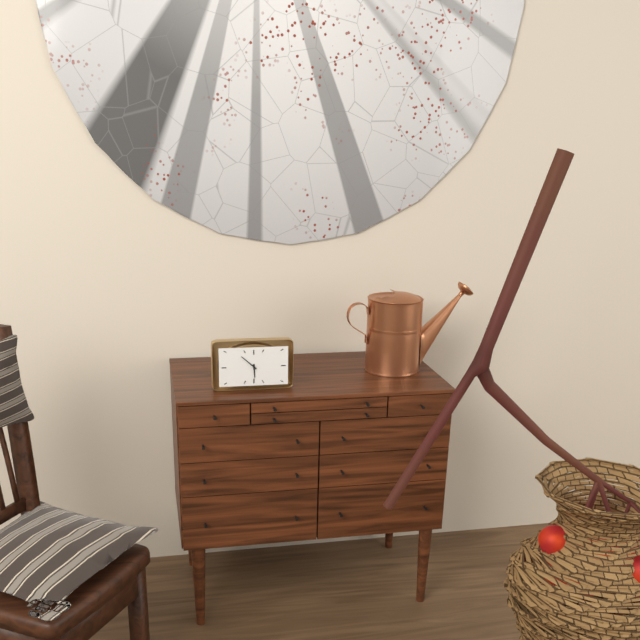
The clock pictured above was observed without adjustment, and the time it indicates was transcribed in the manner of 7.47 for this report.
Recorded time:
5.52
